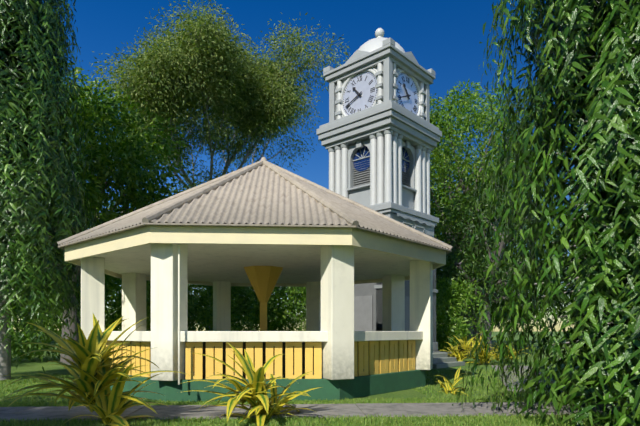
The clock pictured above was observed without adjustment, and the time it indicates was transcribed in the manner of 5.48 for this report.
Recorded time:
10.41
